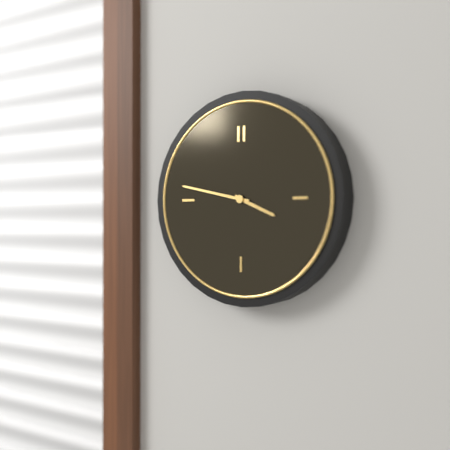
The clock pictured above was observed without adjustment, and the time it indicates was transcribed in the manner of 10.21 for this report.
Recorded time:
3.47
